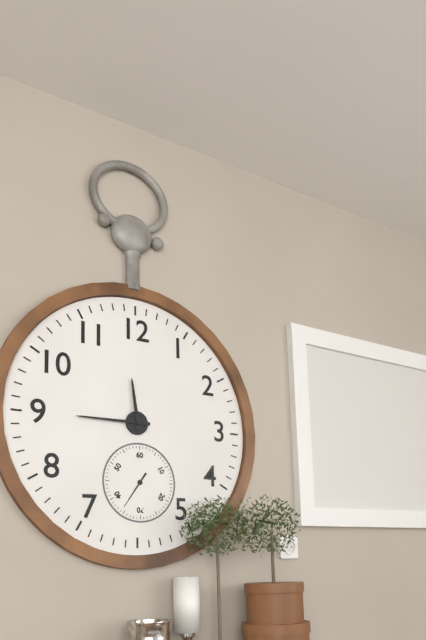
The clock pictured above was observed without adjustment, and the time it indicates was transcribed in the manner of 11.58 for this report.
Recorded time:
11.45
